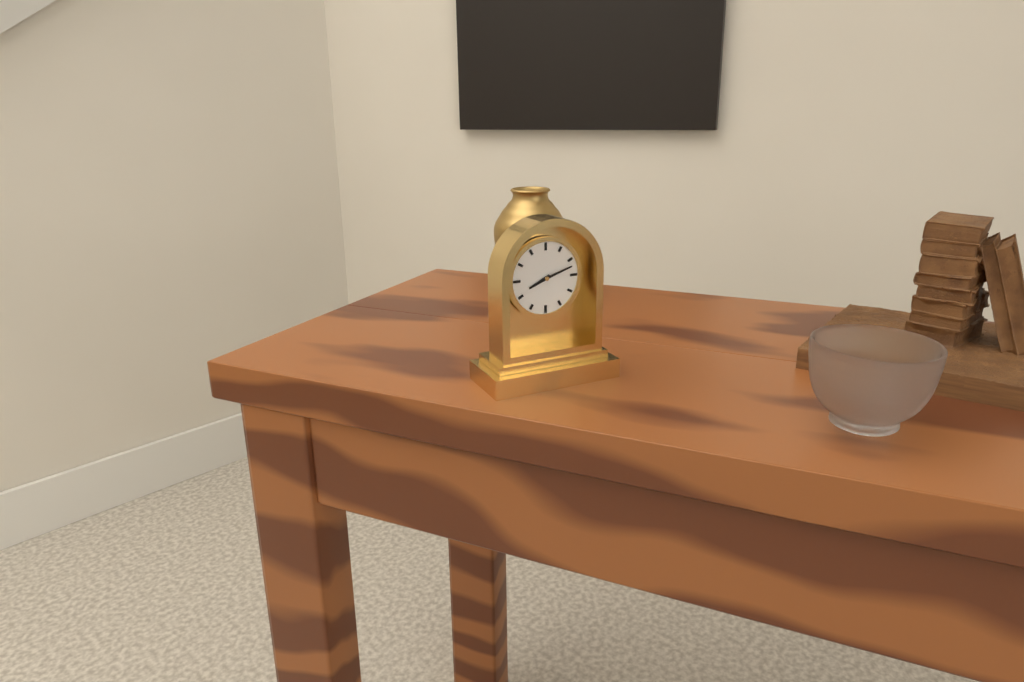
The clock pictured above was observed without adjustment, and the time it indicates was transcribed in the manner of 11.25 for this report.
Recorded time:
8.12
